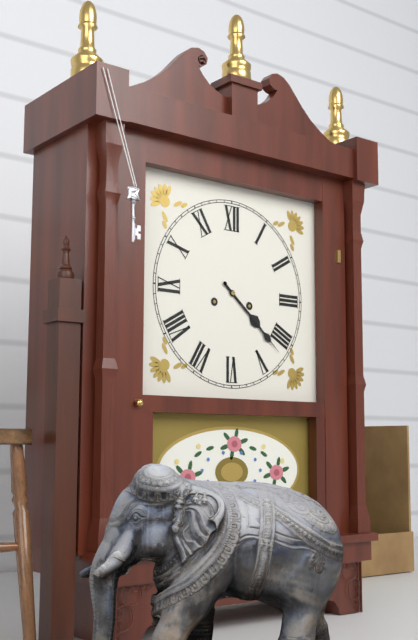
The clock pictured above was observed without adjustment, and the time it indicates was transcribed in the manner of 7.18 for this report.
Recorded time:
4.22
